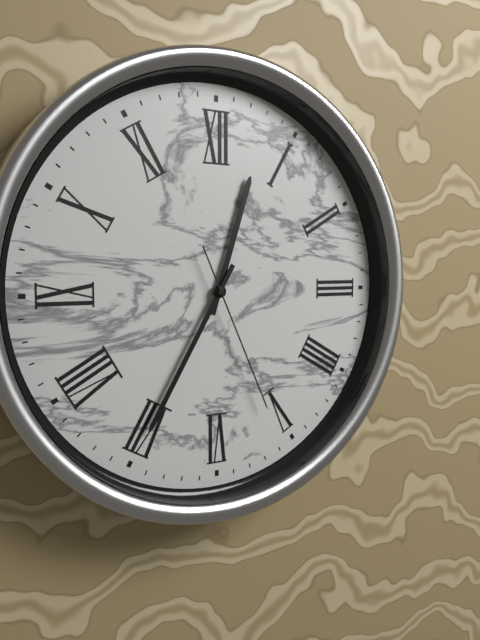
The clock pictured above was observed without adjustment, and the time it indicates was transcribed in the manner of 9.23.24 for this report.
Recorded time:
12.35.26
